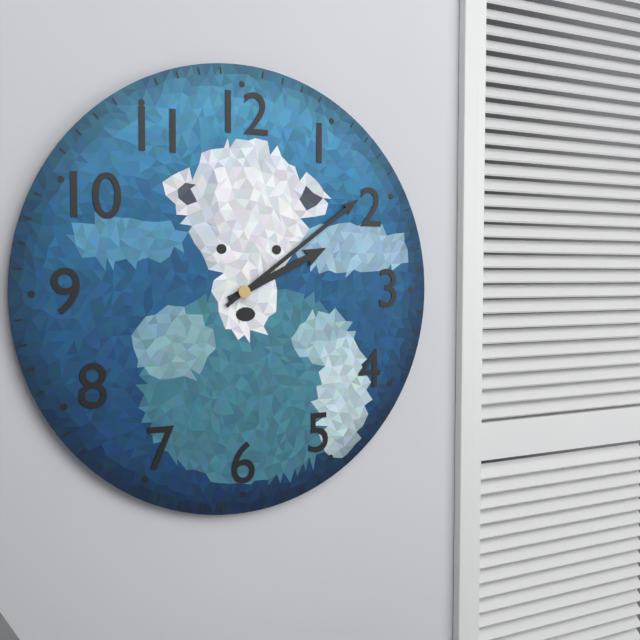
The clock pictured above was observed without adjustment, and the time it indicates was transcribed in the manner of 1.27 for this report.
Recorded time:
2.09
